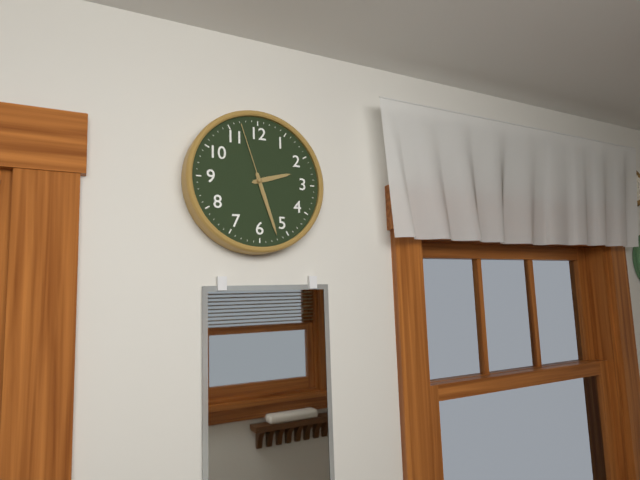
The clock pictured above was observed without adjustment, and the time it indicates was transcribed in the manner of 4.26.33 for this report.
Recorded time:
2.27.57
